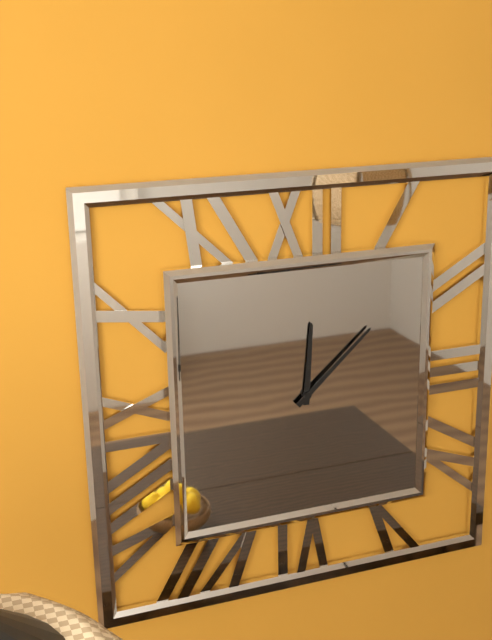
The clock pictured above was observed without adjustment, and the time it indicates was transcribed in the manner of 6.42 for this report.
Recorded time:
12.08
